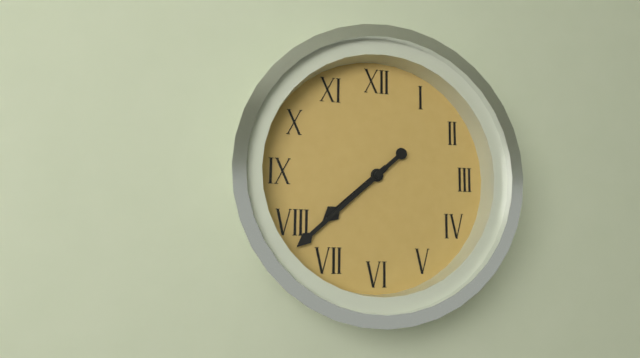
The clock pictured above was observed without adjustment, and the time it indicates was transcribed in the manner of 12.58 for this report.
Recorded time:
7.38
